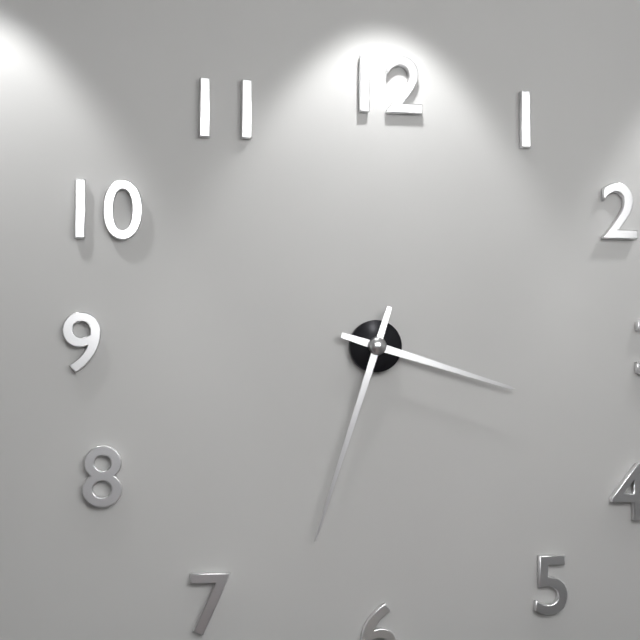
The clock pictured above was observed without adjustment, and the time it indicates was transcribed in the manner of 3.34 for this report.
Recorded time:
3.33
